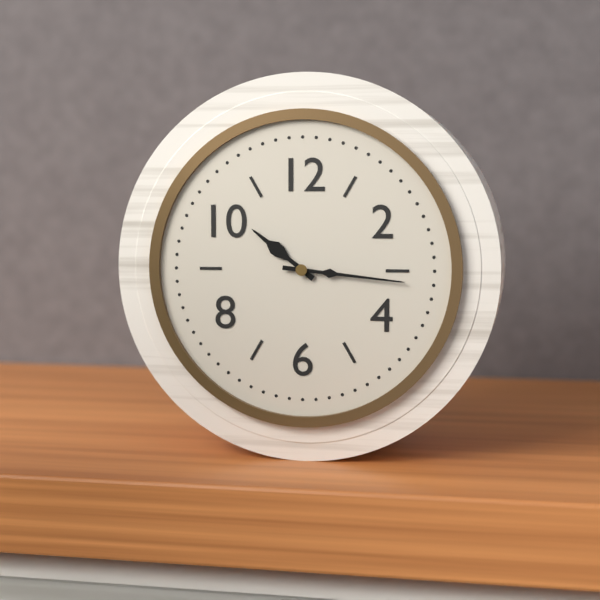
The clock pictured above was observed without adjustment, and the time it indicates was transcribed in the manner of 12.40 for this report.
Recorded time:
10.16
